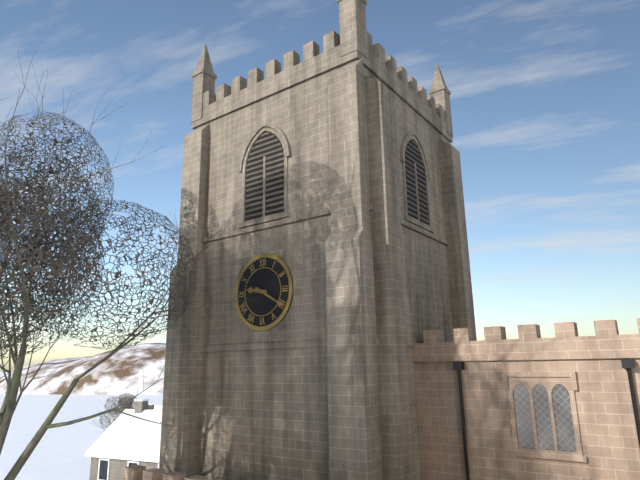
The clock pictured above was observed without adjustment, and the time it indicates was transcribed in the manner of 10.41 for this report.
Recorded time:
9.20
